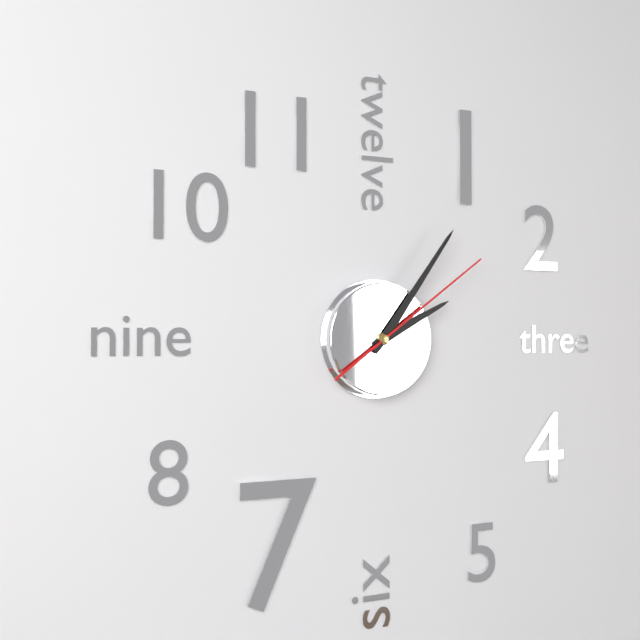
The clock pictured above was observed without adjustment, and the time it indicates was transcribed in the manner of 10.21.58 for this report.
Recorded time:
2.06.09
